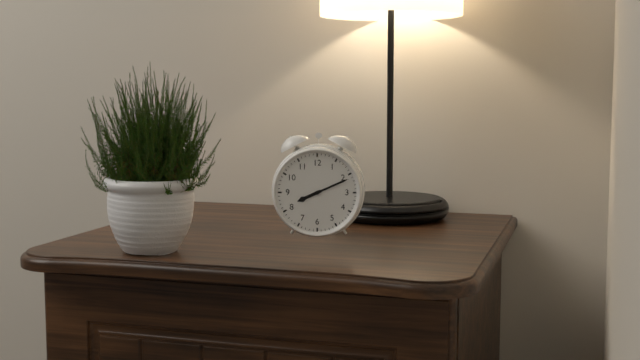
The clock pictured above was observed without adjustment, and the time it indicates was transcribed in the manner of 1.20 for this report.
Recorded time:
8.11
